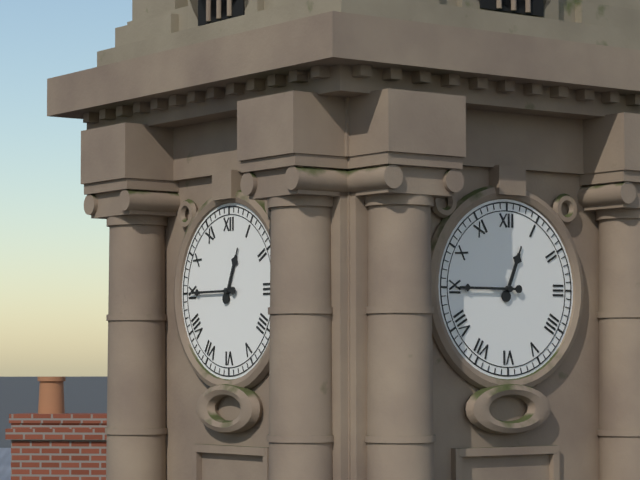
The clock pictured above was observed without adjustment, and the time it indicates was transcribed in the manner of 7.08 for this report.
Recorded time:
12.45
